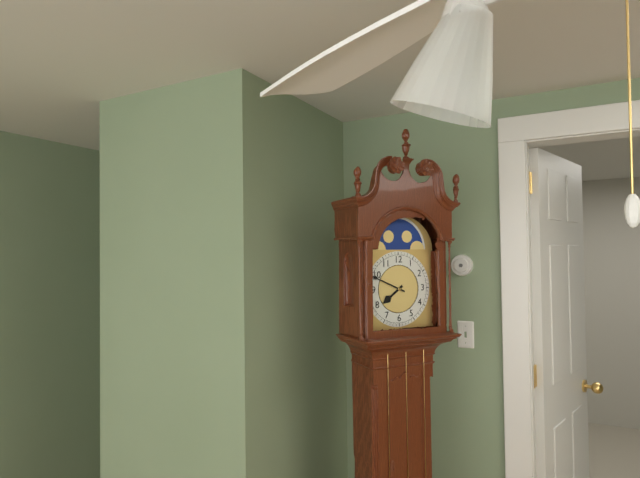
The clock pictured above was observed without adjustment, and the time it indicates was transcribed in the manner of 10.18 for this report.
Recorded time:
7.49
